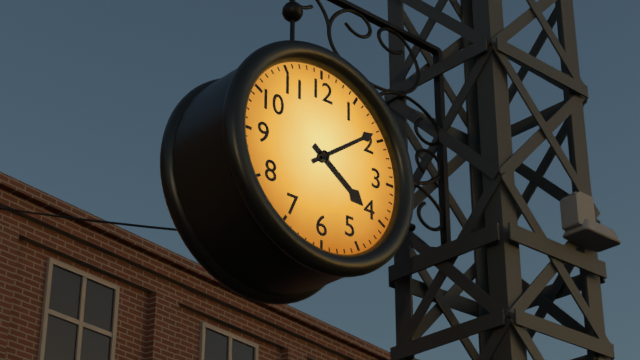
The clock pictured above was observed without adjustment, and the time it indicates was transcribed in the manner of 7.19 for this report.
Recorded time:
4.09
